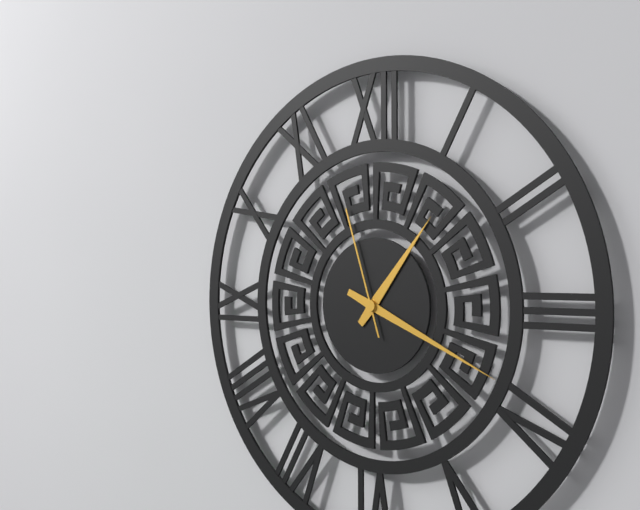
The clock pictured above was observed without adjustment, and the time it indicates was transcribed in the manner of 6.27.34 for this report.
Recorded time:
1.19.57
